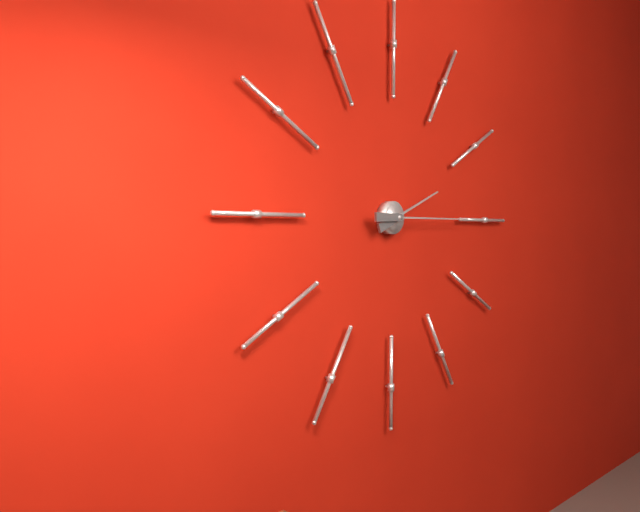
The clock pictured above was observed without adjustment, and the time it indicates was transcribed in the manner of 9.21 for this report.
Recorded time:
2.15
